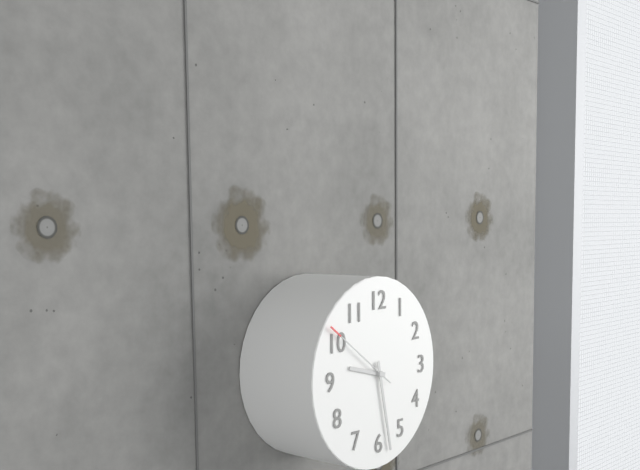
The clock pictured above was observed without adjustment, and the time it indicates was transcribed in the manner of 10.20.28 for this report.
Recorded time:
9.28.51
